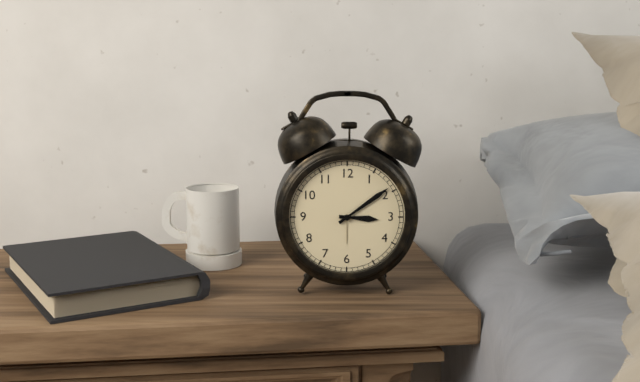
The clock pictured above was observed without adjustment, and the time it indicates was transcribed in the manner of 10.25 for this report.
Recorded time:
3.09
